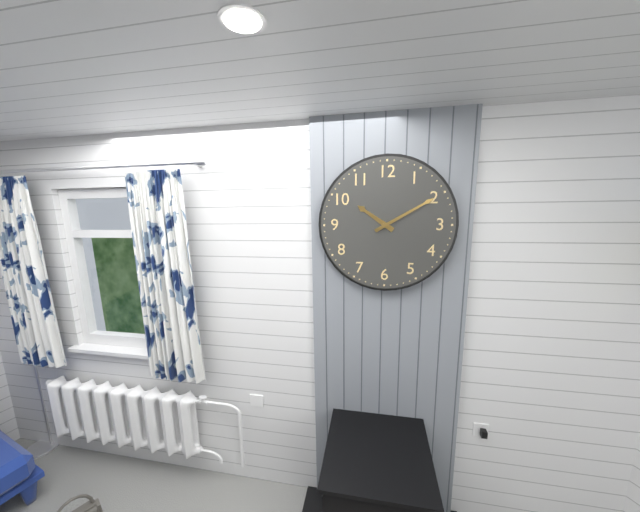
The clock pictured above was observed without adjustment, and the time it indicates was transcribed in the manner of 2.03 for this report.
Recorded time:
10.10
